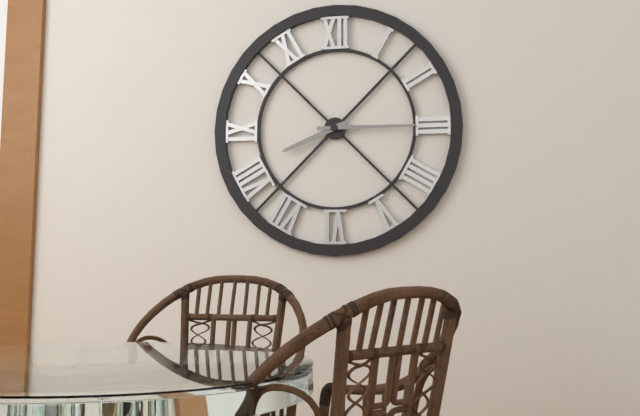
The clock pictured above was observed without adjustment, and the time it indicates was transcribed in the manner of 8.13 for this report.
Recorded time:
8.15
